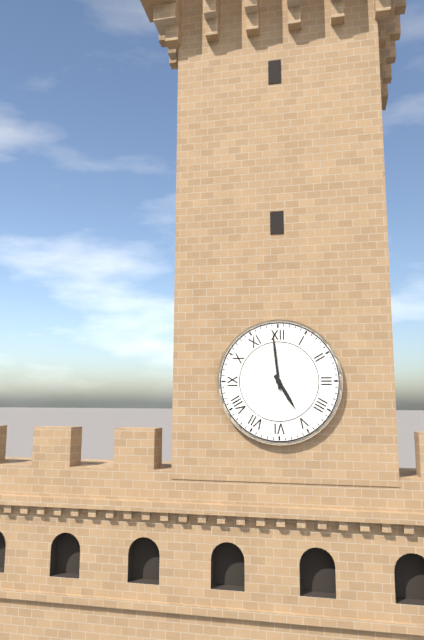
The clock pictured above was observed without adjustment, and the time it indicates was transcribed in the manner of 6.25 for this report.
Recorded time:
4.59
